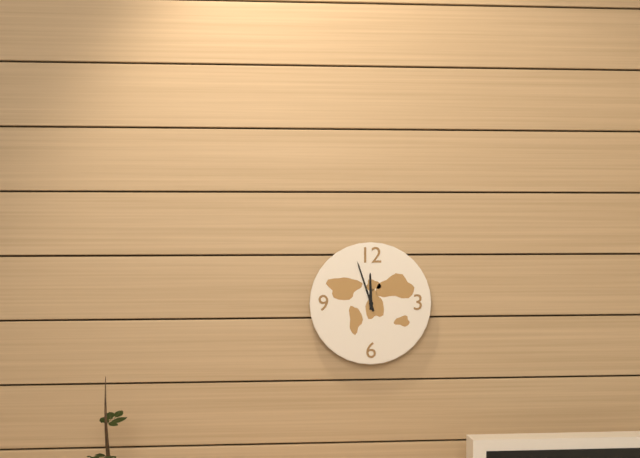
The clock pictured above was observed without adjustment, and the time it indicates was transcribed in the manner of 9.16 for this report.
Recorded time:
11.57
